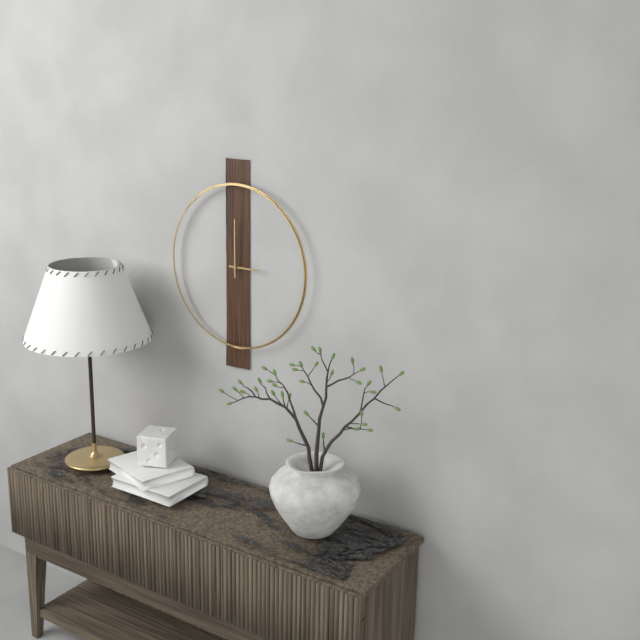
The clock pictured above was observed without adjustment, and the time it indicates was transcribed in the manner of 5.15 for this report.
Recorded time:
3.00
